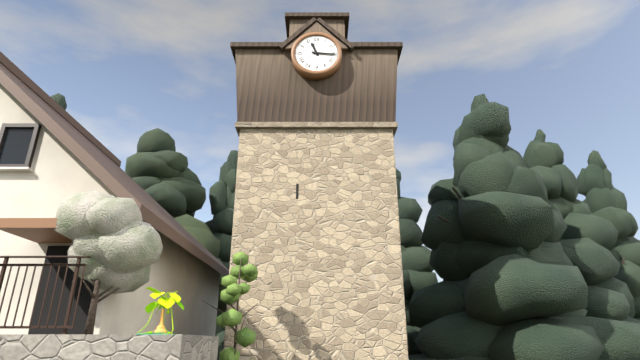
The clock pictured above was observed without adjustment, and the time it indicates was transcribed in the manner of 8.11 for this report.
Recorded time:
11.16
